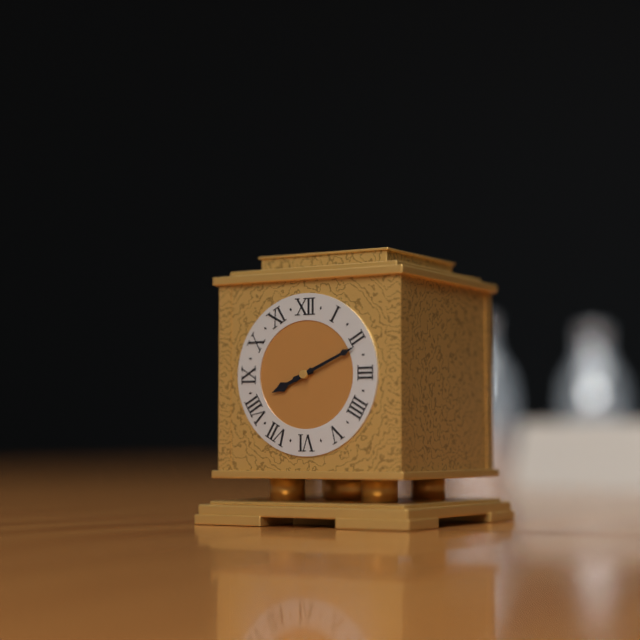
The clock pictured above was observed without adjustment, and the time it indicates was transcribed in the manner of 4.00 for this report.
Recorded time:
8.11
